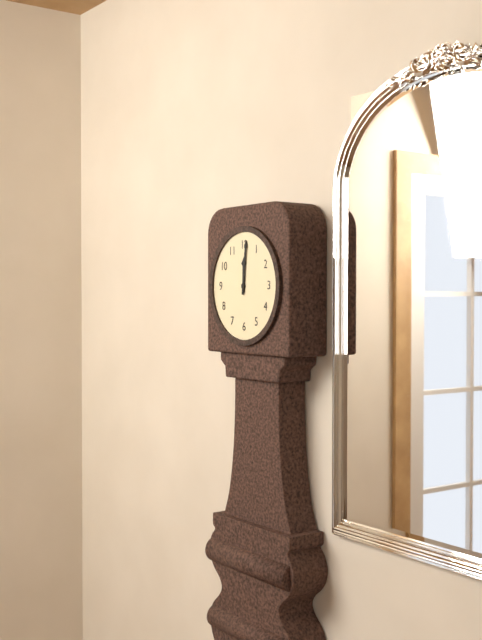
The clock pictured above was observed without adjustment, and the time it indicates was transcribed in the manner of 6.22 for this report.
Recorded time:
12.01
